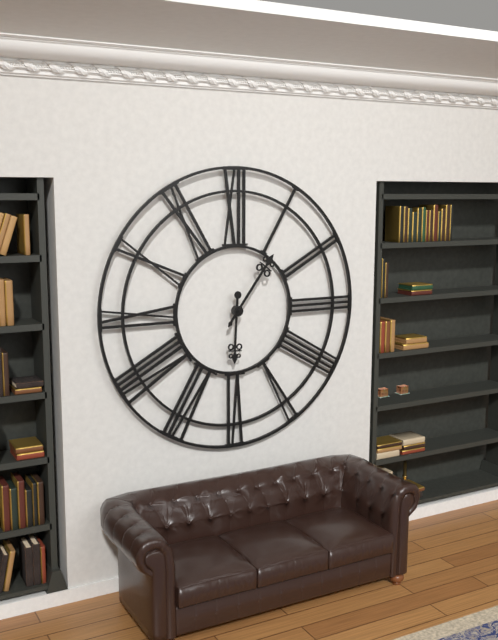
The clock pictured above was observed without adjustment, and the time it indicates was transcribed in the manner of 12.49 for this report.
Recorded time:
6.06
